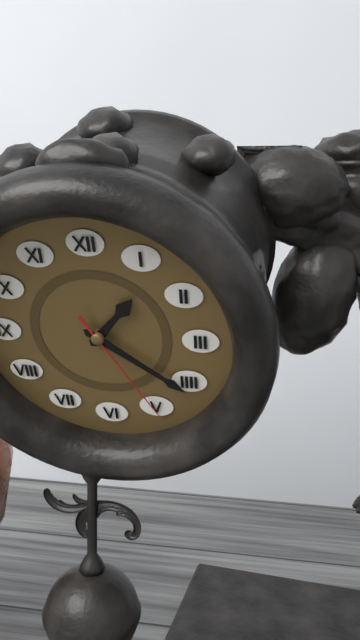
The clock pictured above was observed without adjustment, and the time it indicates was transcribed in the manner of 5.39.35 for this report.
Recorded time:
1.21.25
